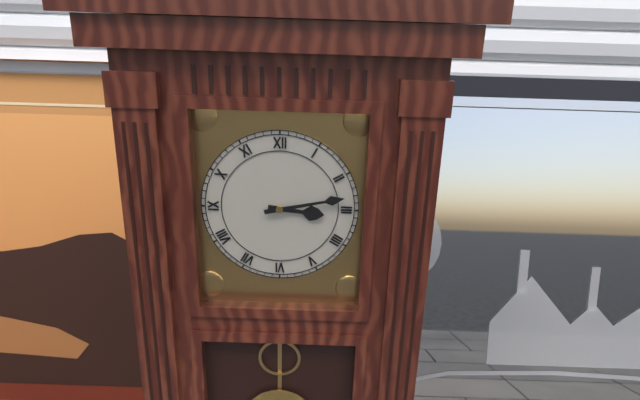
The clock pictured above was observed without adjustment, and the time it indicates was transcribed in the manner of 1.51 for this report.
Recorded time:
3.13
